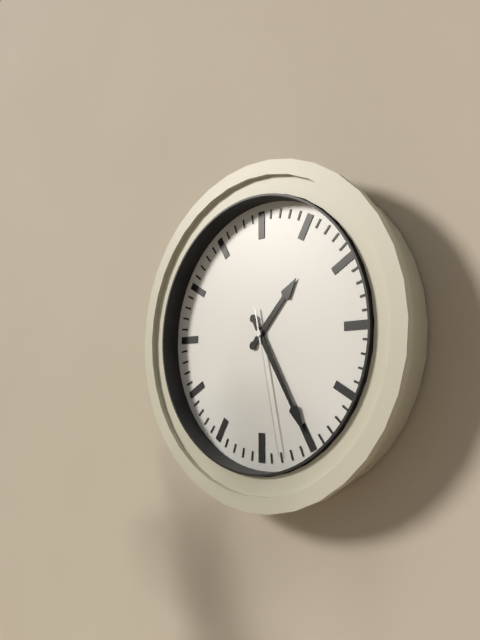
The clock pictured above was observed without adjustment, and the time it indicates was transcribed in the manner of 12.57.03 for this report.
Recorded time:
1.25.28
